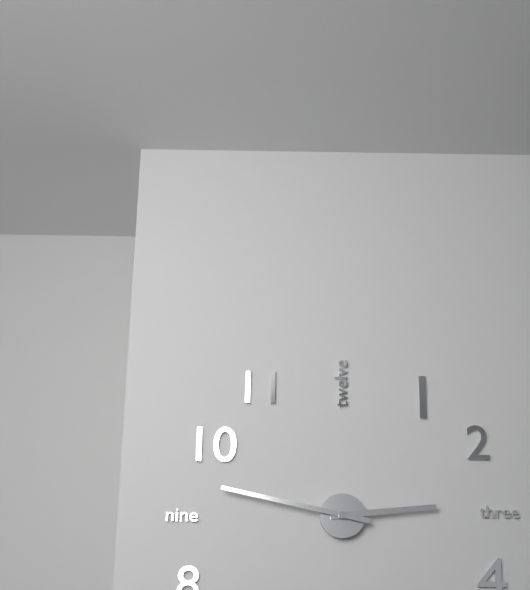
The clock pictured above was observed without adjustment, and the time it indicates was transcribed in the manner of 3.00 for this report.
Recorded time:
2.47
